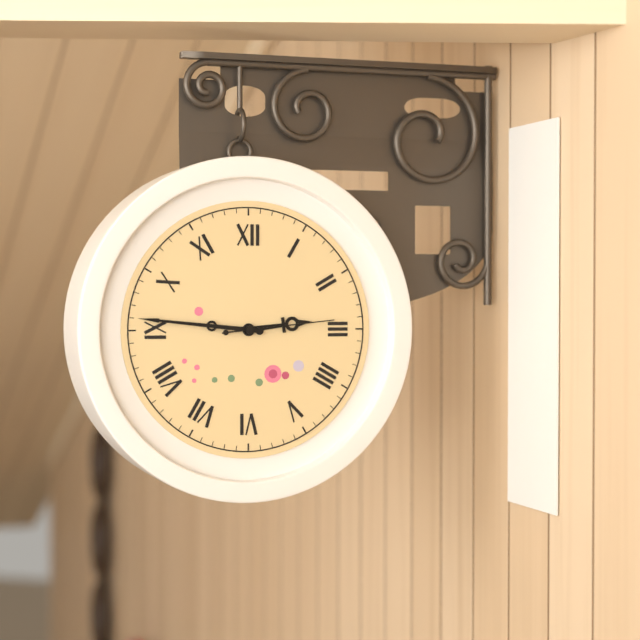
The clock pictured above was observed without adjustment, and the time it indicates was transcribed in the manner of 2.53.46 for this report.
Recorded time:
2.46.14
